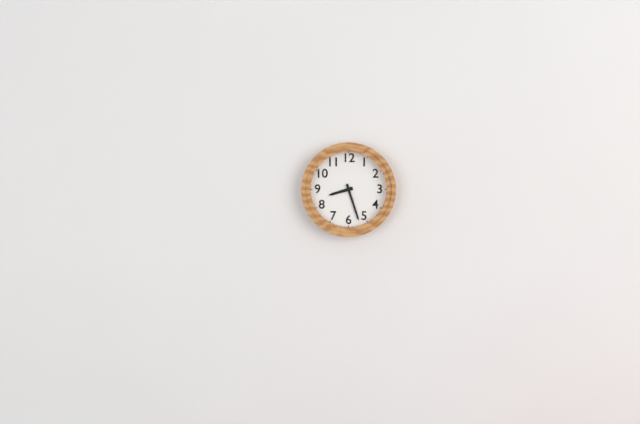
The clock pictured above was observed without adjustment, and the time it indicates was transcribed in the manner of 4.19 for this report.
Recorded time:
8.27
